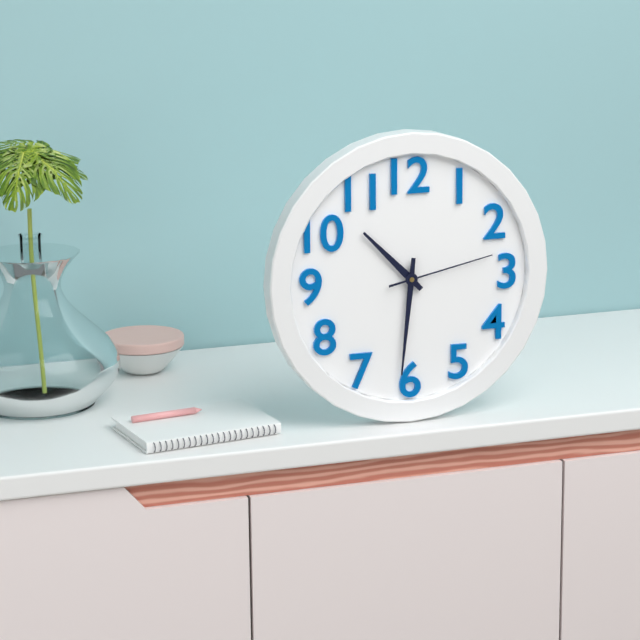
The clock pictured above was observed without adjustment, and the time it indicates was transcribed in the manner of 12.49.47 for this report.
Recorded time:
10.31.13
